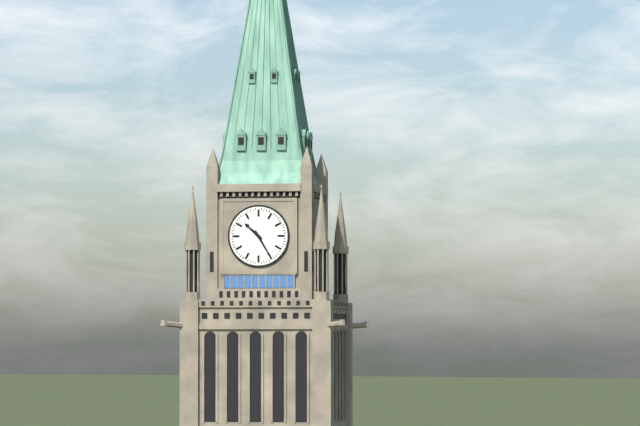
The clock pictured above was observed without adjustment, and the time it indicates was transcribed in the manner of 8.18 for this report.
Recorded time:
10.25
